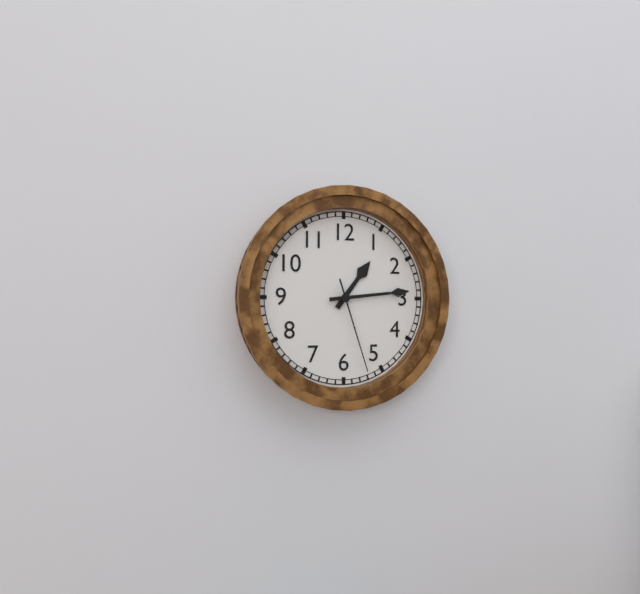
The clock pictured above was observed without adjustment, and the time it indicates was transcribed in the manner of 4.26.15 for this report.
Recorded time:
1.14.27
